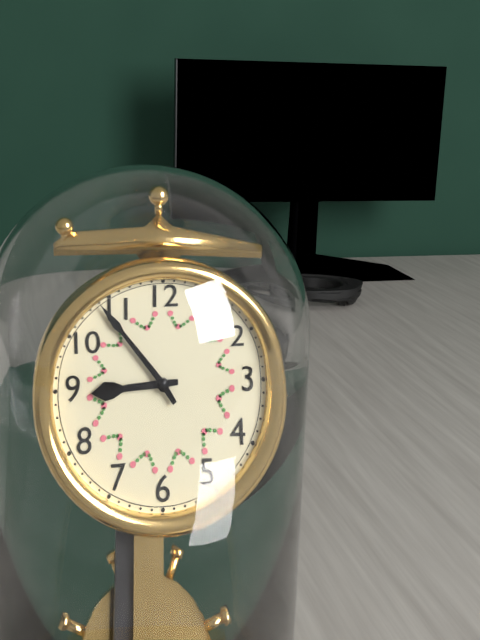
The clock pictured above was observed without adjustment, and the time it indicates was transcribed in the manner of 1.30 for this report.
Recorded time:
8.54
